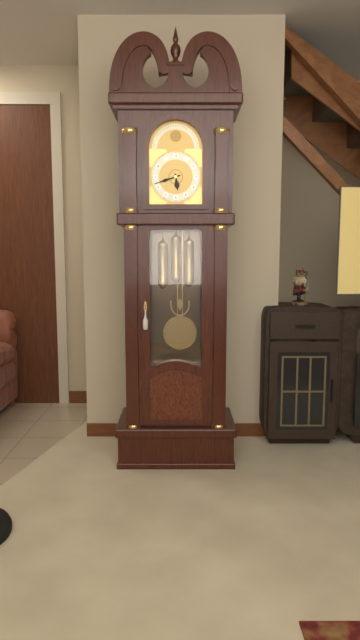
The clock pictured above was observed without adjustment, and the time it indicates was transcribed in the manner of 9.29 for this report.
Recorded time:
5.42
